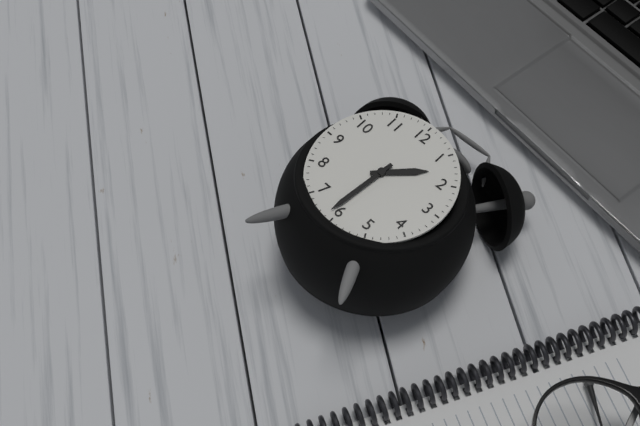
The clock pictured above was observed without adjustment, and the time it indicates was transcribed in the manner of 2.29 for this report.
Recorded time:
1.31
